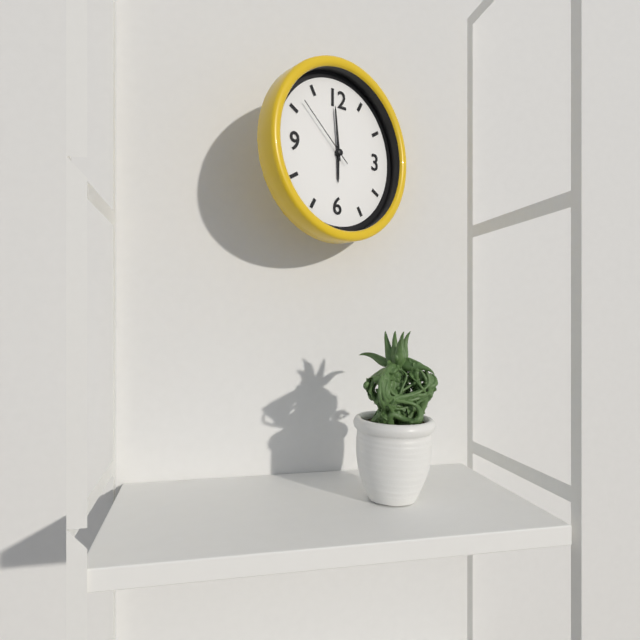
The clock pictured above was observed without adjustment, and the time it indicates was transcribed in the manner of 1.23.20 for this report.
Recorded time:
5.59.52
